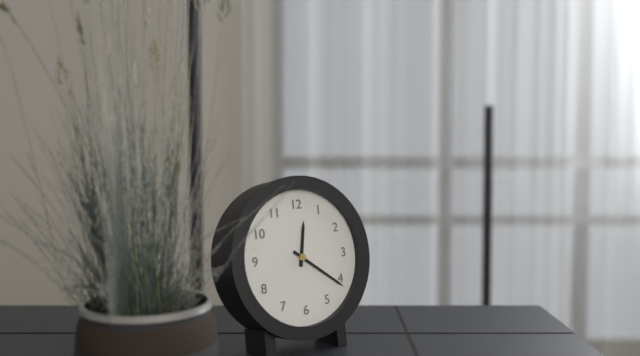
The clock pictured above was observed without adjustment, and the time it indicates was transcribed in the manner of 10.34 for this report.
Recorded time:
12.21
